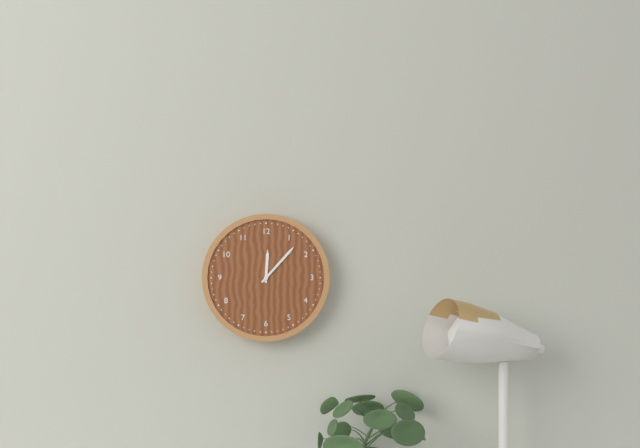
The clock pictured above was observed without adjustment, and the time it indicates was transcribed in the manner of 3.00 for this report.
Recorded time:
12.07
